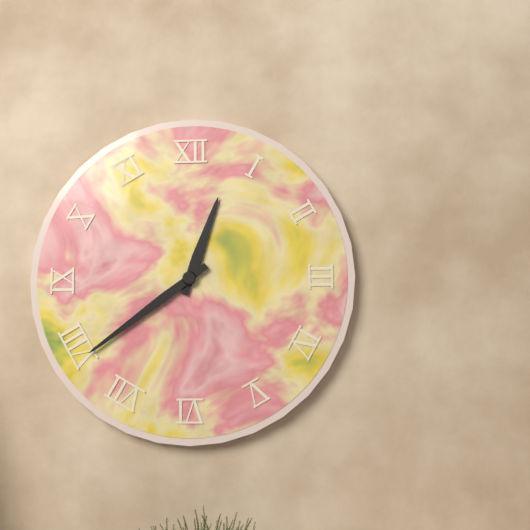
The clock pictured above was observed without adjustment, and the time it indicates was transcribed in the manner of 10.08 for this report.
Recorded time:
12.39
